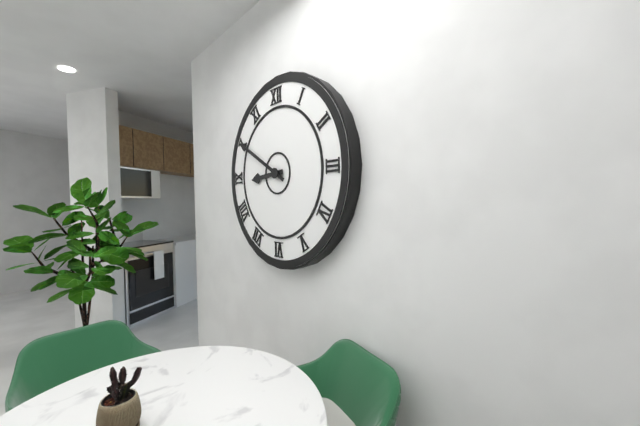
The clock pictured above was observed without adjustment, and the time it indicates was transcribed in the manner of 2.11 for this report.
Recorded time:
8.50
